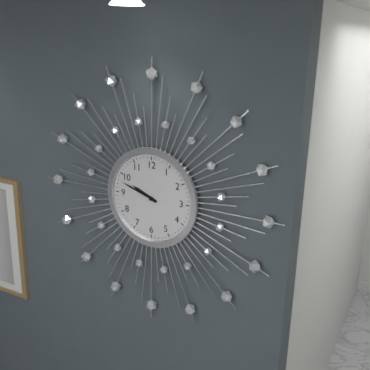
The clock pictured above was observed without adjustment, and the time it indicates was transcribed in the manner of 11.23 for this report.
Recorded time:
9.48
